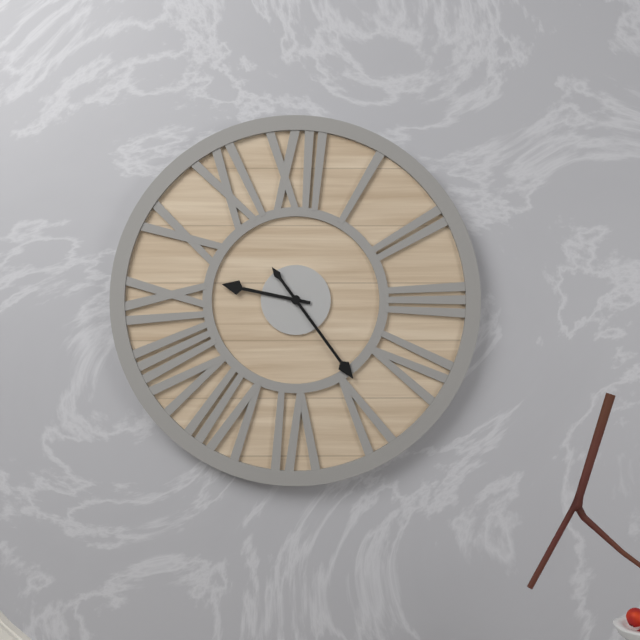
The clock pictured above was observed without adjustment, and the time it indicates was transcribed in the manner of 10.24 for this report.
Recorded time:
9.24
